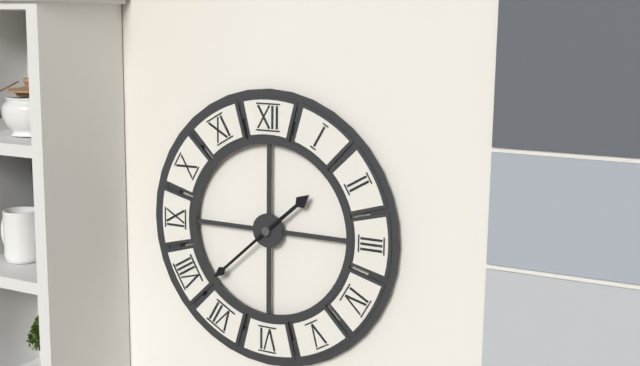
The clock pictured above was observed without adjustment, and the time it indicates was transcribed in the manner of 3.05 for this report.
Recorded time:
1.38
